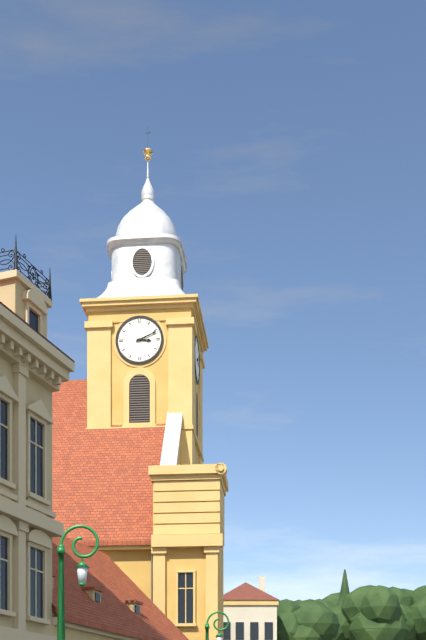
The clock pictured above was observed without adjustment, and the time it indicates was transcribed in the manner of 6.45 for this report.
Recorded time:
3.11
